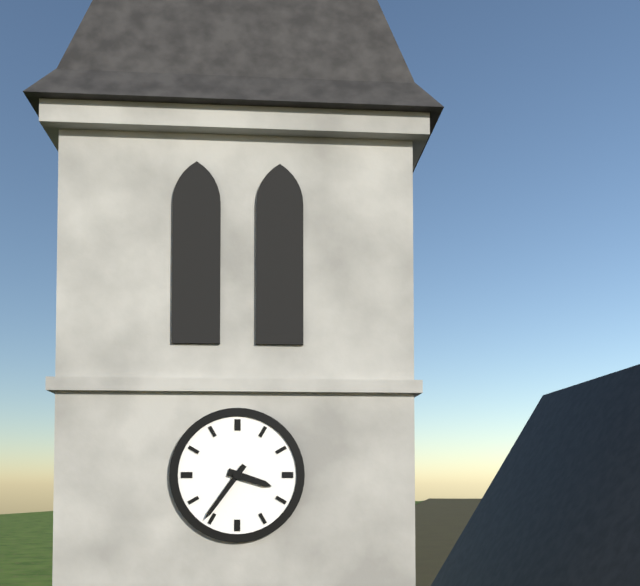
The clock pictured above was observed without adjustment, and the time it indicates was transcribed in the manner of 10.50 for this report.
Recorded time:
3.36
